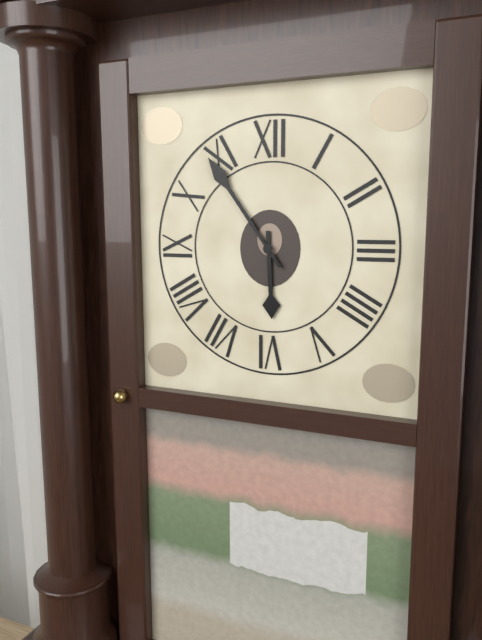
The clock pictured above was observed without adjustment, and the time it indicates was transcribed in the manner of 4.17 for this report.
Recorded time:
5.54
